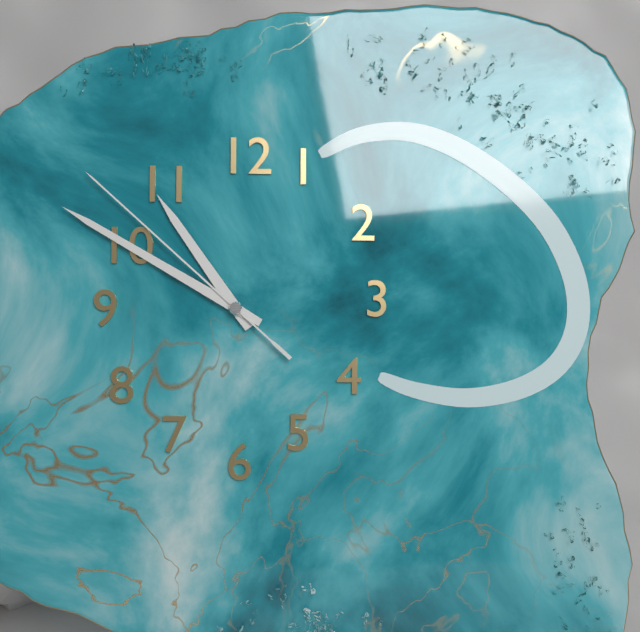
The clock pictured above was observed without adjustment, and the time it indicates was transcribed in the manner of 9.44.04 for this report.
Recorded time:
10.50.52
